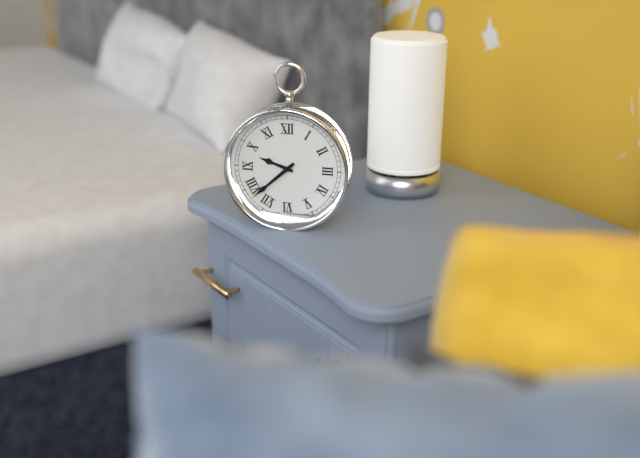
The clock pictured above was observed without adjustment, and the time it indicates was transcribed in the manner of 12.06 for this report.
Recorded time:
9.38
